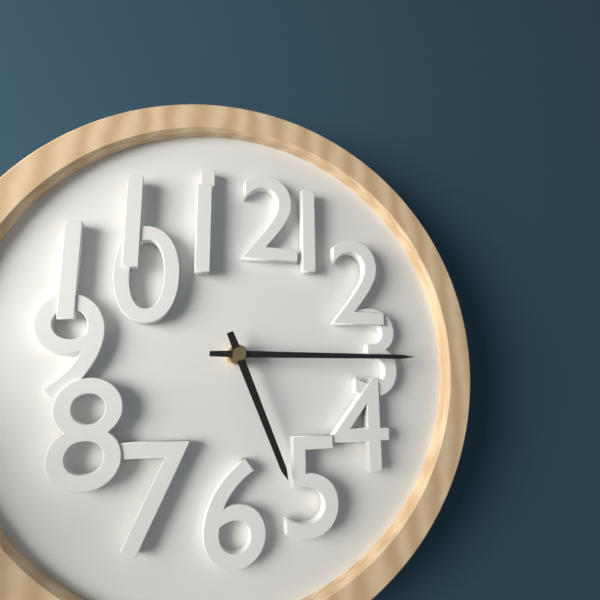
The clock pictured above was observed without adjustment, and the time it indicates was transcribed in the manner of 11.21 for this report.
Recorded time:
5.15
